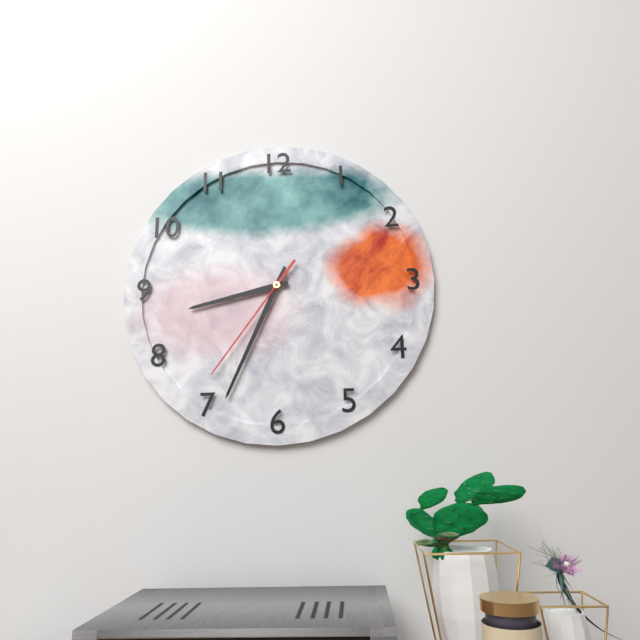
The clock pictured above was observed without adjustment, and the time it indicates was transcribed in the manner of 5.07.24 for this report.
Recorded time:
8.34.36
